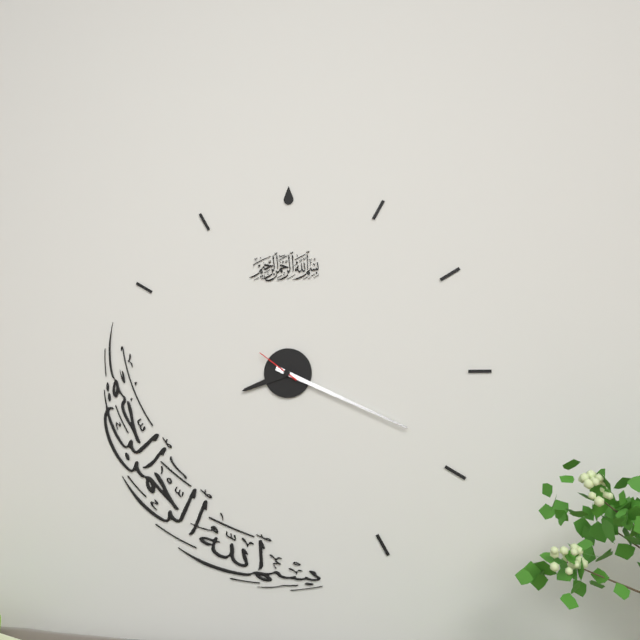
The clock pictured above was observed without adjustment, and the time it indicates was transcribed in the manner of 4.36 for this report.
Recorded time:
8.19
